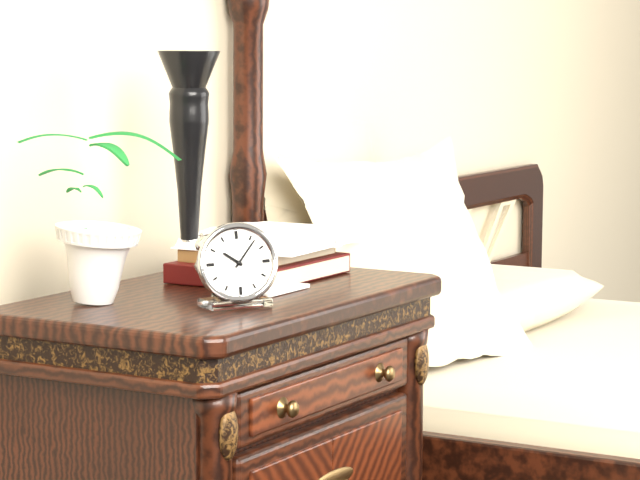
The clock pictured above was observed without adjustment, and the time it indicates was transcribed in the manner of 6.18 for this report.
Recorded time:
10.07
